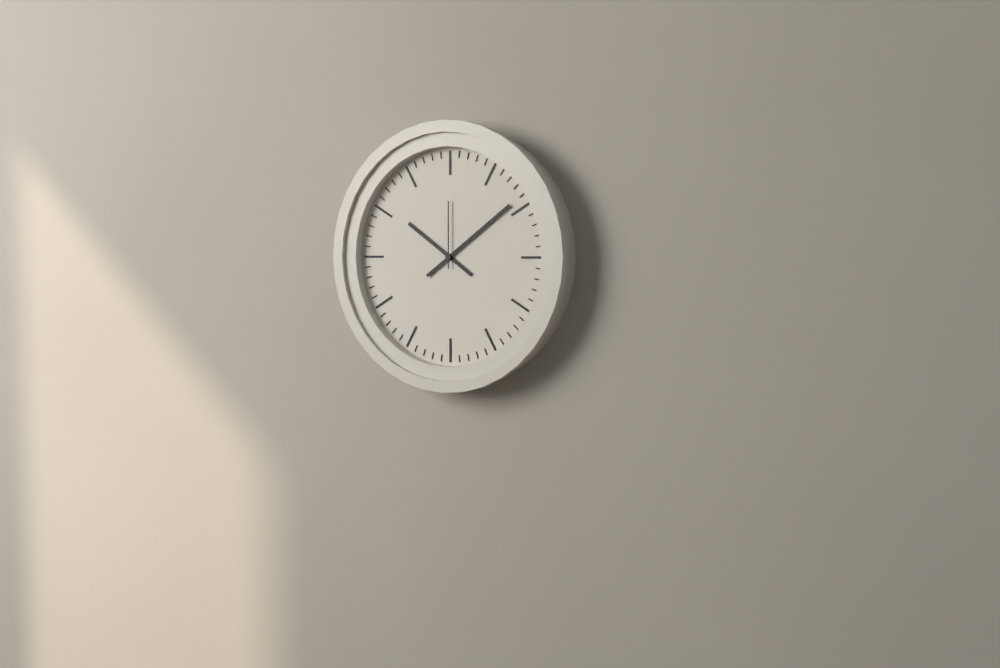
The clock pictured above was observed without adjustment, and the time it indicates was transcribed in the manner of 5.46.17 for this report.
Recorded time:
10.09.00
